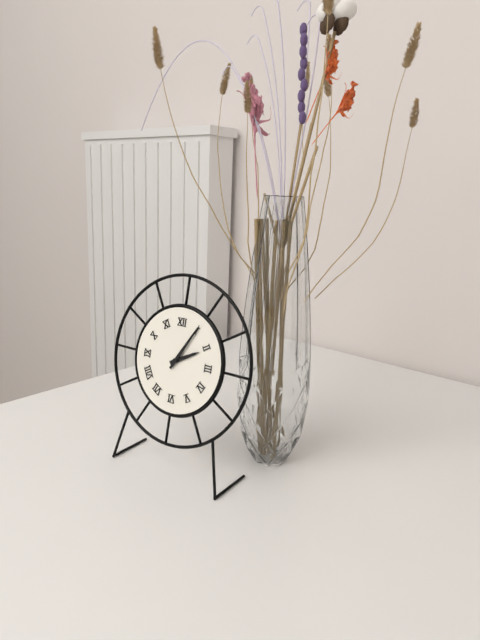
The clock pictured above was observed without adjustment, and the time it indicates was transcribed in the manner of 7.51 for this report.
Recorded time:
2.05
